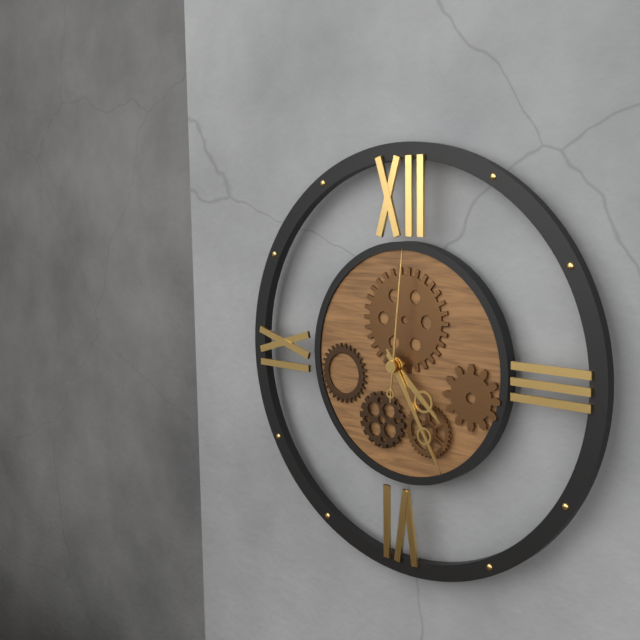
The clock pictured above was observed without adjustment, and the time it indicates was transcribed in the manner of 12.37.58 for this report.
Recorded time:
4.25.01
